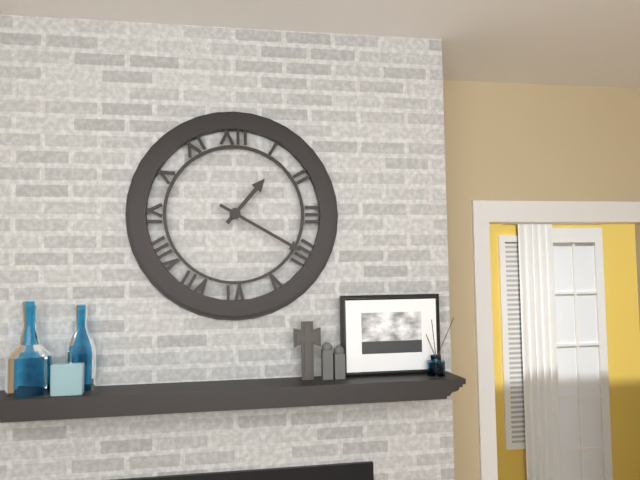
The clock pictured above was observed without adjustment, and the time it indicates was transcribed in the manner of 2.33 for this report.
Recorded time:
1.20
